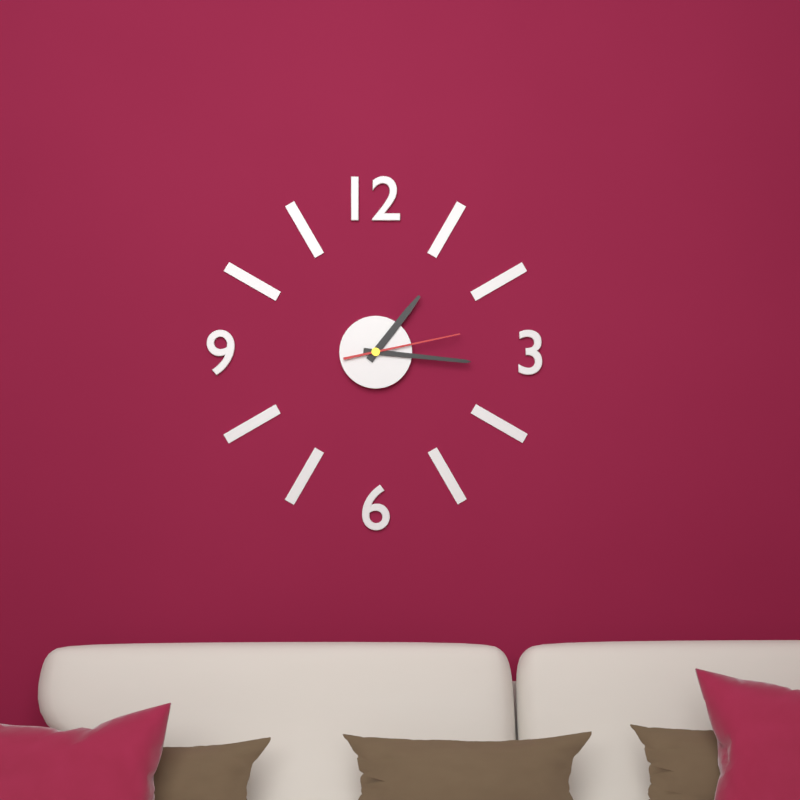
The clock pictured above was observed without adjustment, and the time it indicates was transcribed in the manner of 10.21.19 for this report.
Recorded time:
1.16.13
